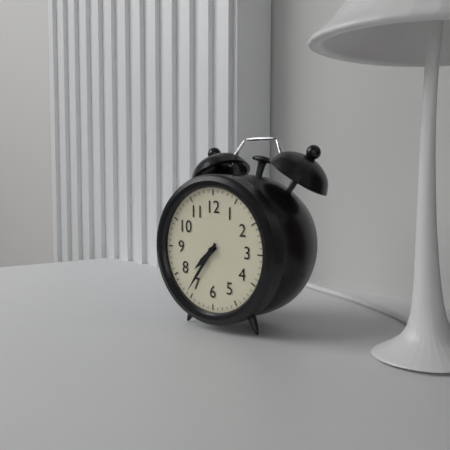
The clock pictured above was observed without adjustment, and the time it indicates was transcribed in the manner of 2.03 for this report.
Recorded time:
7.36
